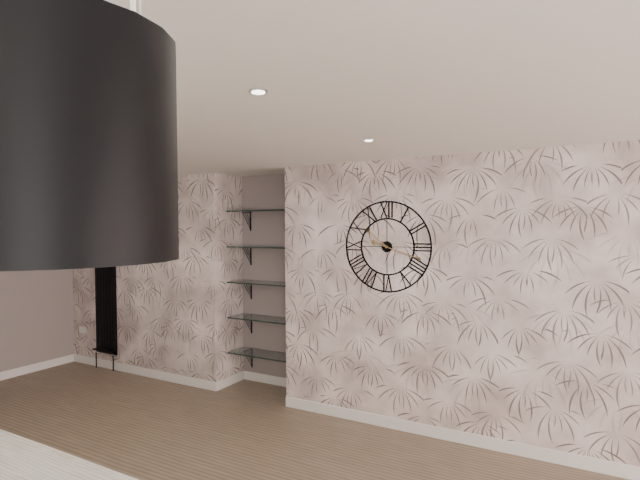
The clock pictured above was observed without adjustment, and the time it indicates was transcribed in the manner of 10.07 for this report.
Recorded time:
10.18
